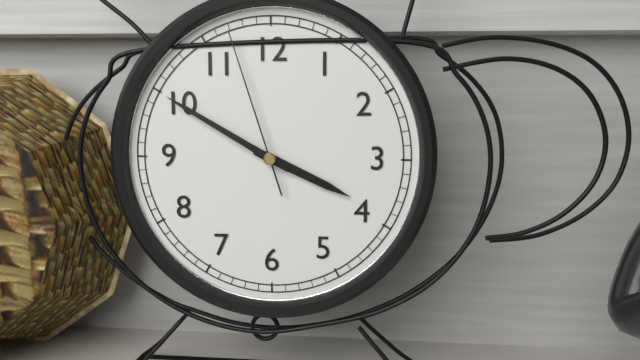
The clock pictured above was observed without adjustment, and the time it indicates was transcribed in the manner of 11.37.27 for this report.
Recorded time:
3.50.57
